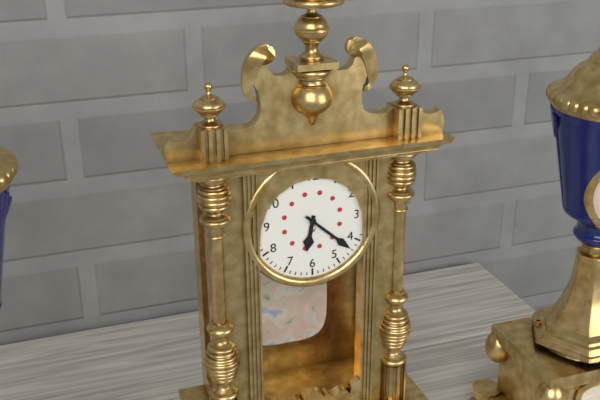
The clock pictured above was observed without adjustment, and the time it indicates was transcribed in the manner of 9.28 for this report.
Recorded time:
6.22
